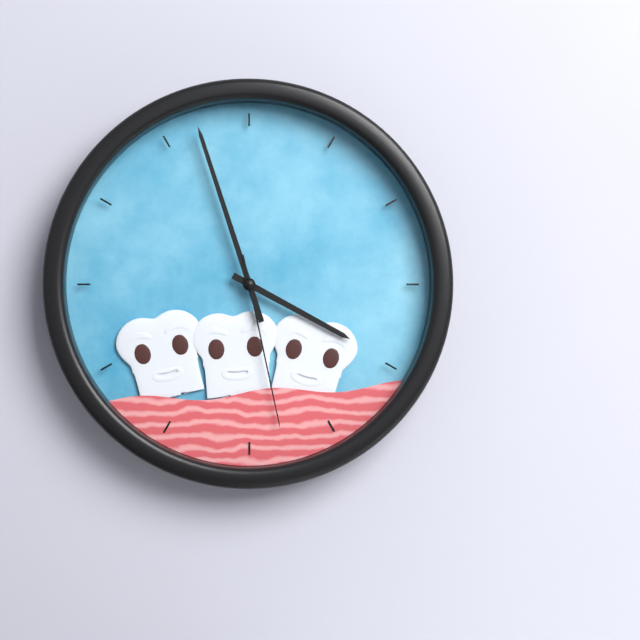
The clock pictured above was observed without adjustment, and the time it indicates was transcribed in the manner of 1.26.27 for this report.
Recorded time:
3.57.28
